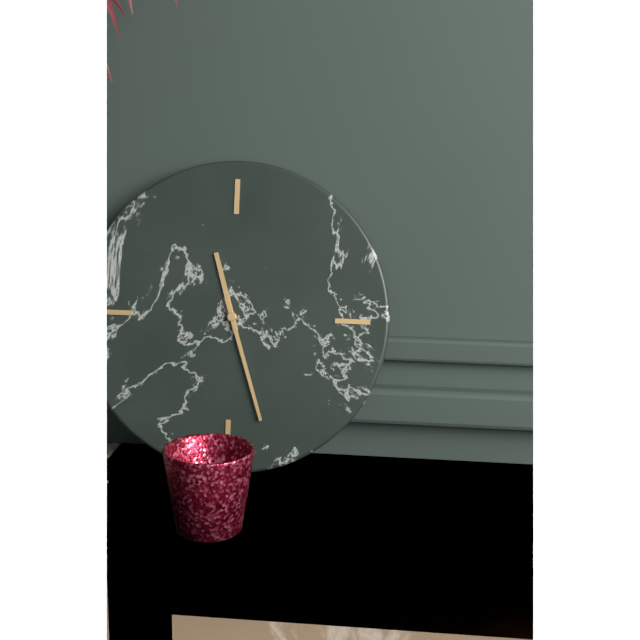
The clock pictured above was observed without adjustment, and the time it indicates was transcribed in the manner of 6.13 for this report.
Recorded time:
11.27
